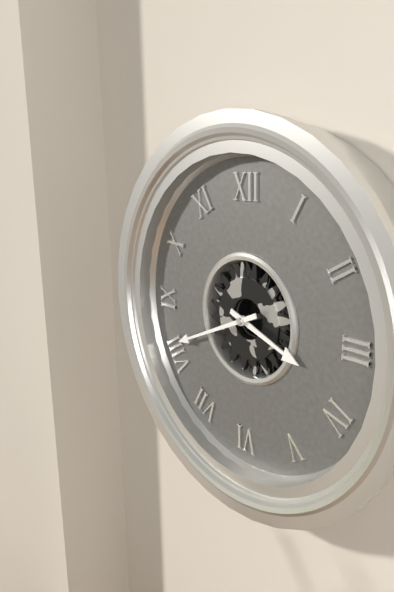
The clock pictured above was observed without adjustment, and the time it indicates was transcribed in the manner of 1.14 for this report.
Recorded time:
3.41
